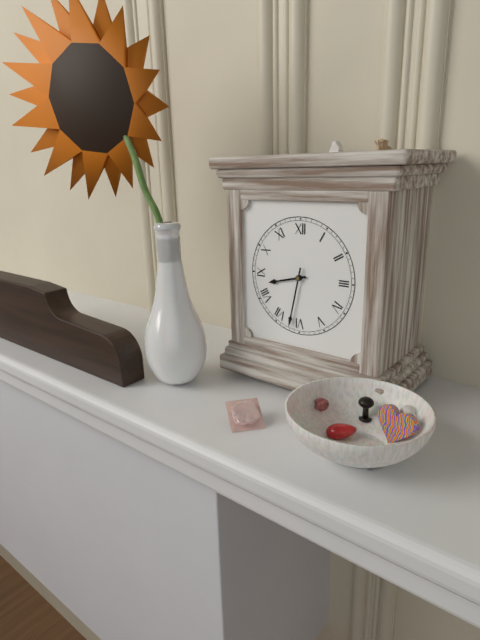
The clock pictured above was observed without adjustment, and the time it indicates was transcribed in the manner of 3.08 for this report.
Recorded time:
8.32
